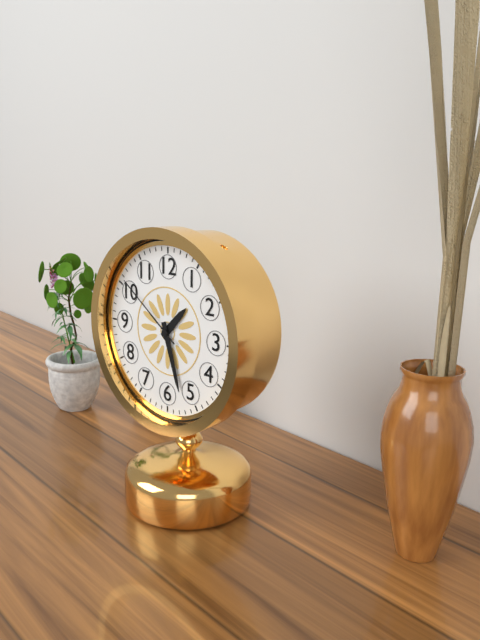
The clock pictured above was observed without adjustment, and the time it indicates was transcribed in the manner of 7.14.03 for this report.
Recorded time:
1.27.51
